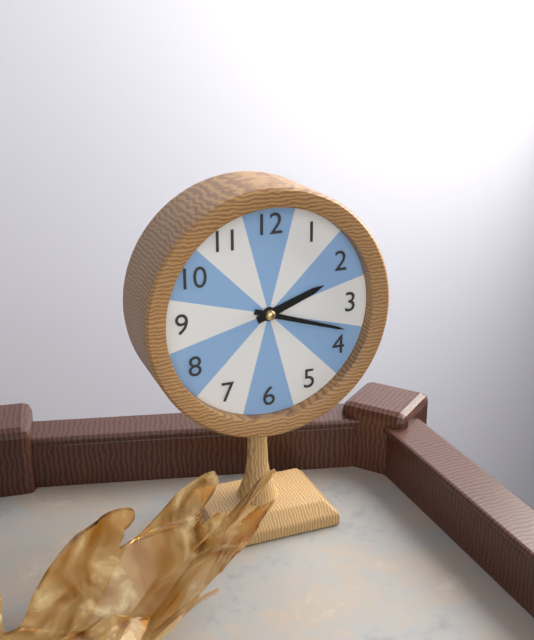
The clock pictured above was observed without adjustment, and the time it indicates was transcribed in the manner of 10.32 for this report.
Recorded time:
2.18
